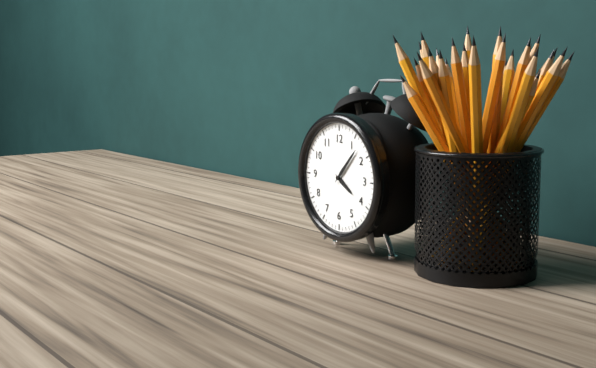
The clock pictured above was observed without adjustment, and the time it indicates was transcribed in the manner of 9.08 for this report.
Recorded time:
4.07
